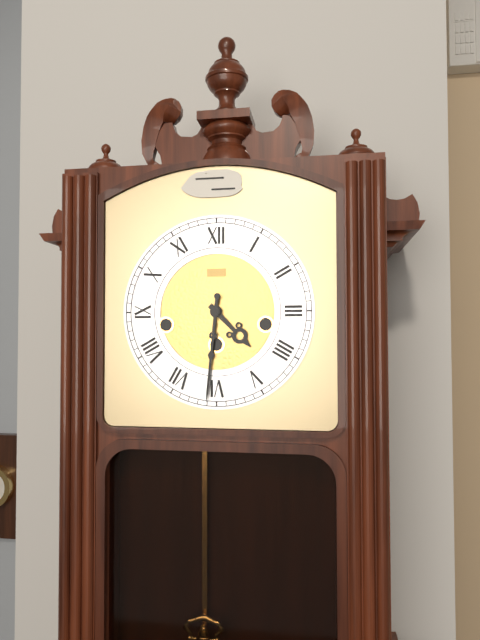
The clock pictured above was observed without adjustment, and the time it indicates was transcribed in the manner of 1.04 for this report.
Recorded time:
4.31
